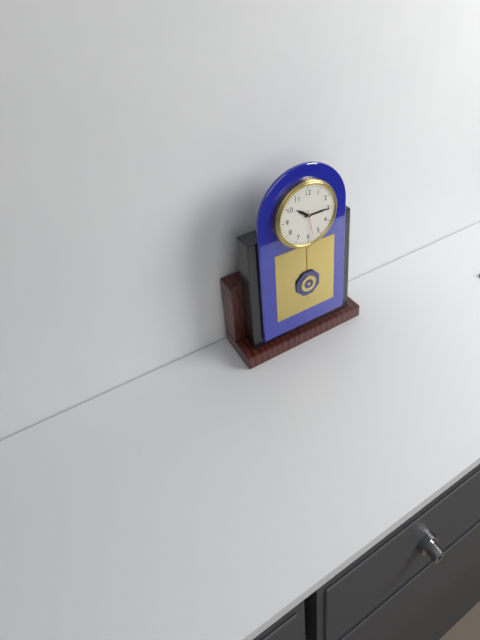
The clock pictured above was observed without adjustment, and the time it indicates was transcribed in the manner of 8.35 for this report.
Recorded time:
10.15
